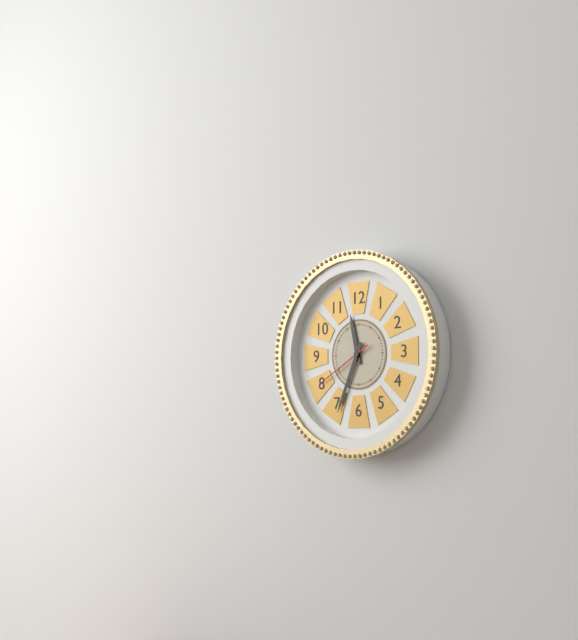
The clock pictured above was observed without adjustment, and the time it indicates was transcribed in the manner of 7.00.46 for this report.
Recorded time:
11.34.40
